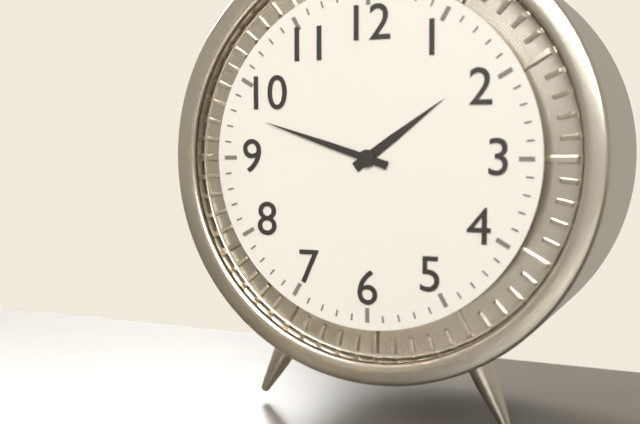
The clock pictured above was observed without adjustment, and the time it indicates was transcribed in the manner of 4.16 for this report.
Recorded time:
1.48
